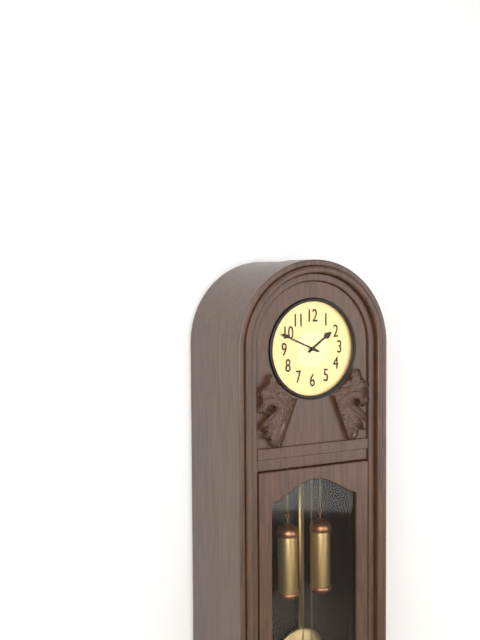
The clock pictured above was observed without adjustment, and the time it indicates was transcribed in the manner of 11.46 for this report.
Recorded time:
1.49
